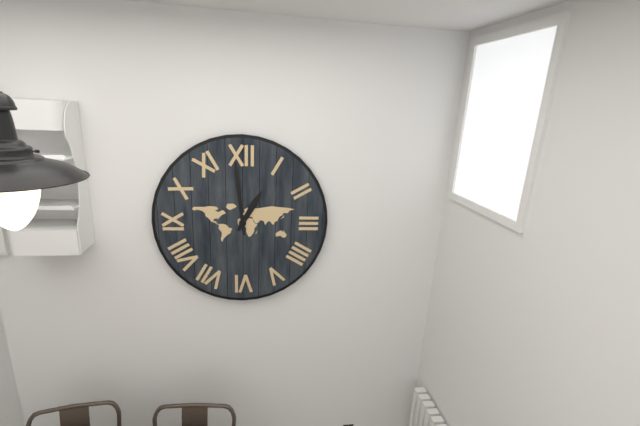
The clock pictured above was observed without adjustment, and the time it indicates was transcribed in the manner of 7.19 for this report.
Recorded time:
12.59
